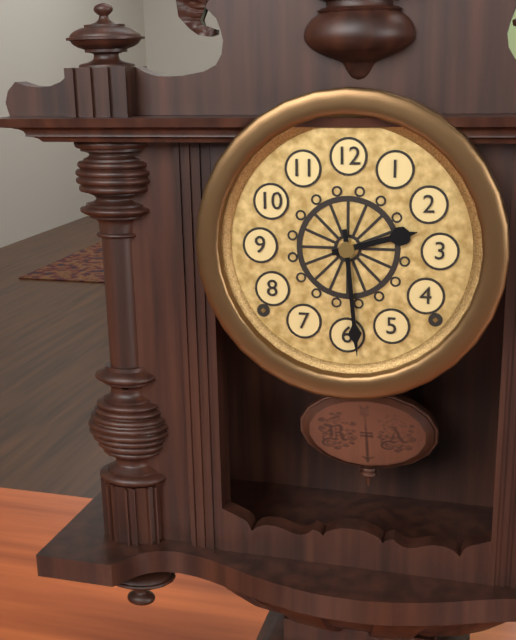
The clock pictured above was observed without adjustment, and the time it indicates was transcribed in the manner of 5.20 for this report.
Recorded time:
2.29
